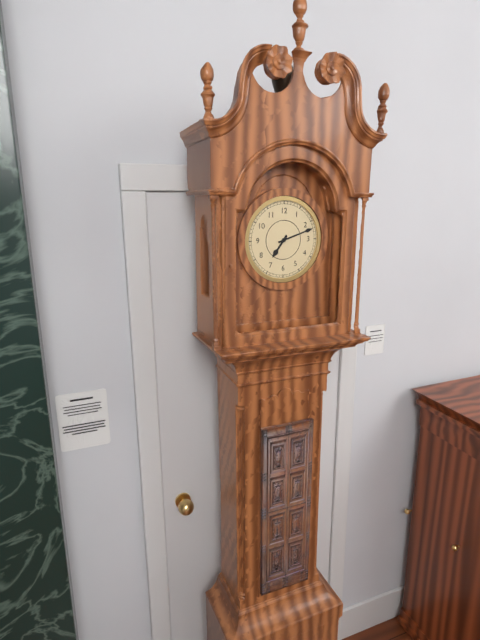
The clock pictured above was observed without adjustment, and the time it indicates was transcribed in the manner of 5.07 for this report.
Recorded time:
7.12
